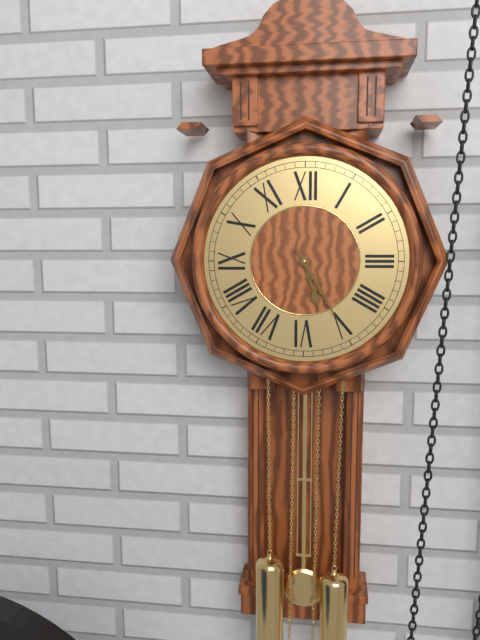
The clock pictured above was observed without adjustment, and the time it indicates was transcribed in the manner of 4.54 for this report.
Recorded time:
5.25
